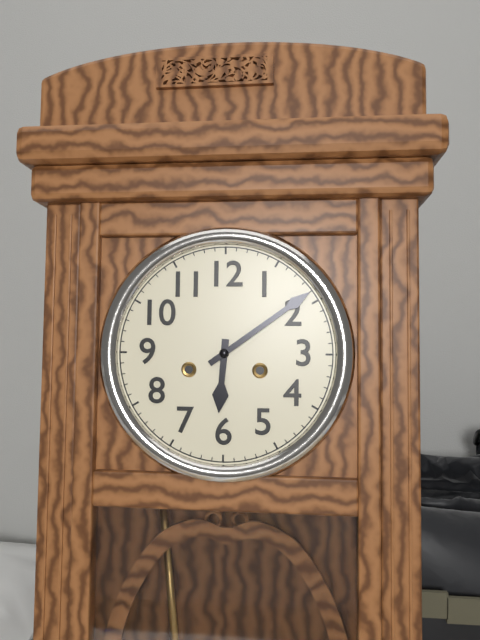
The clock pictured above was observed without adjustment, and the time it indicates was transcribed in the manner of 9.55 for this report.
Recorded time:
6.09
